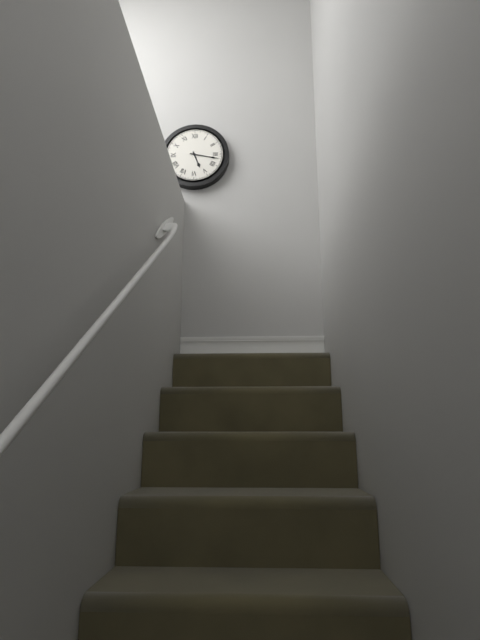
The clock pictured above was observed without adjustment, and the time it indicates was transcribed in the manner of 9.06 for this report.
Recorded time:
5.17
